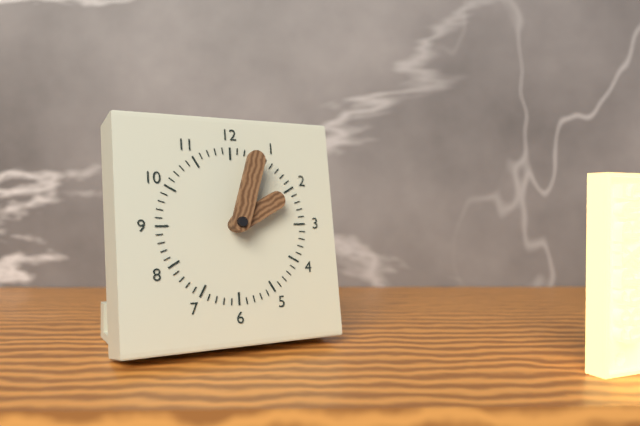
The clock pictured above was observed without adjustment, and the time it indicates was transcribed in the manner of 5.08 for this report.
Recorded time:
2.03
